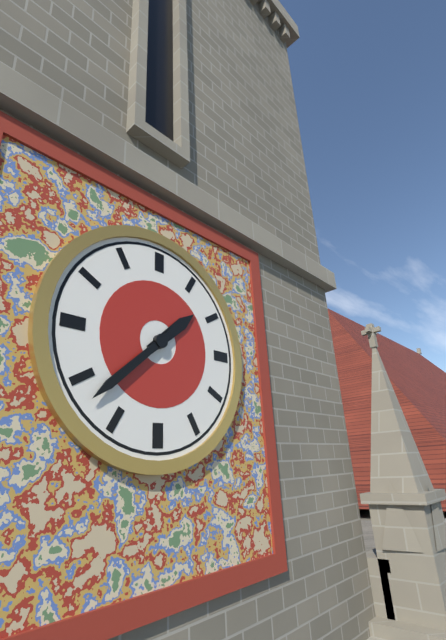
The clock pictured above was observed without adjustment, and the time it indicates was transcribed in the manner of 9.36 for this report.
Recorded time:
1.38
